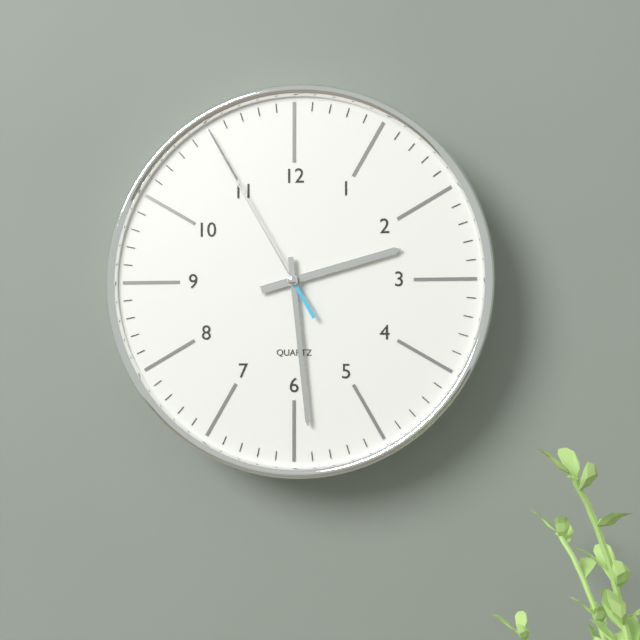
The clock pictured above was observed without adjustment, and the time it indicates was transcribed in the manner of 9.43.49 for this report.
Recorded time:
2.29.55
